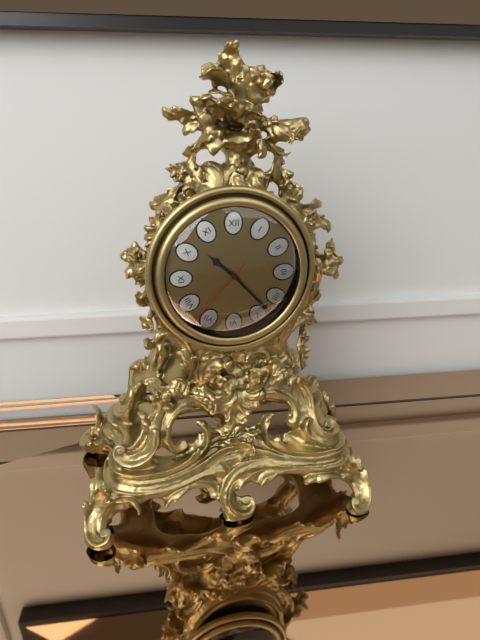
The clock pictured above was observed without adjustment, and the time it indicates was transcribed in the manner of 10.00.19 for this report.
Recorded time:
10.23.37
